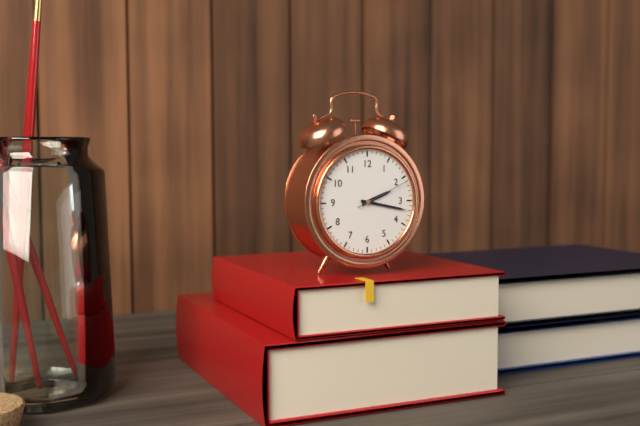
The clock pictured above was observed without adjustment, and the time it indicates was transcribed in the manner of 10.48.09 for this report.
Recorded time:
2.17.11
